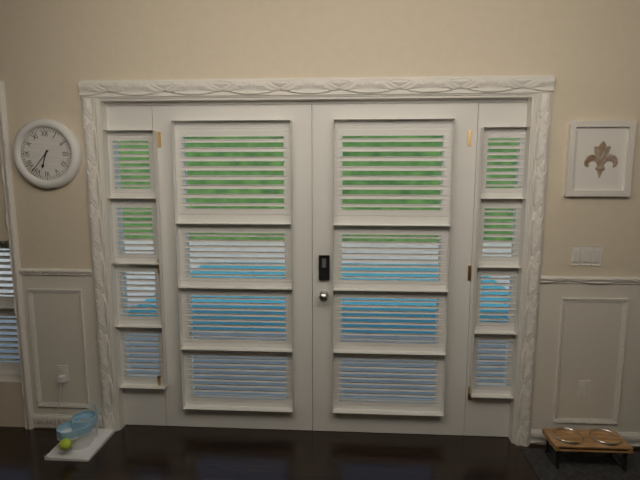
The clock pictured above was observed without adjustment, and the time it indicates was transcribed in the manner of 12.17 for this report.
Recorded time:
6.37
